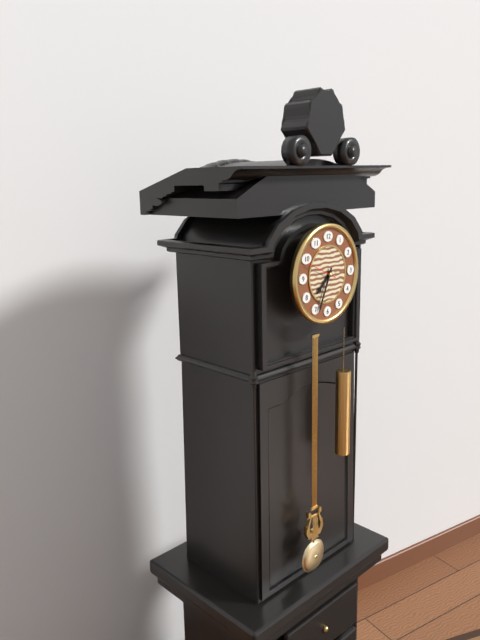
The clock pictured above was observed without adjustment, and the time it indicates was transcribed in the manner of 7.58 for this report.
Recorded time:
7.34
